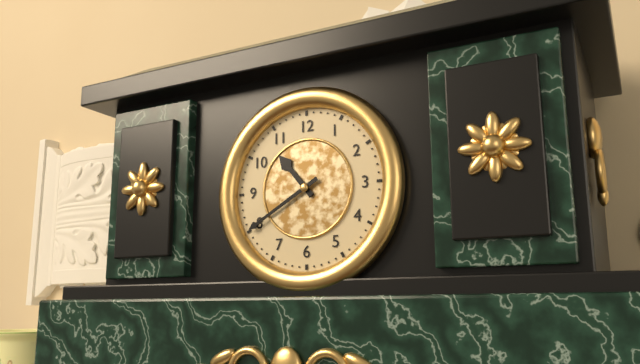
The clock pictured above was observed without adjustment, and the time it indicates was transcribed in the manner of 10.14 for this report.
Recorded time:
10.40
